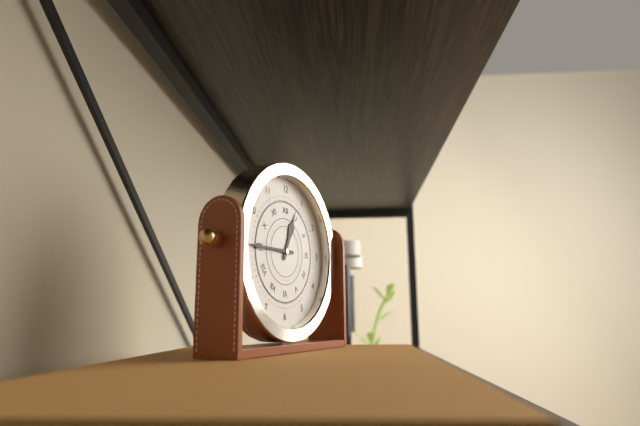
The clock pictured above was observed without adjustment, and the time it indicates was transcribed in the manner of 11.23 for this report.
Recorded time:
12.45
